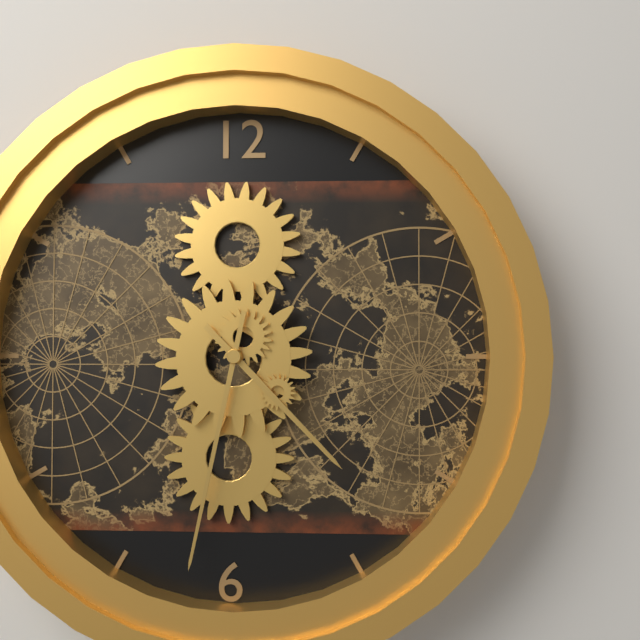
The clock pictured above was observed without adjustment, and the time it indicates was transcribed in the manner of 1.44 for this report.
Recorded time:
4.32
